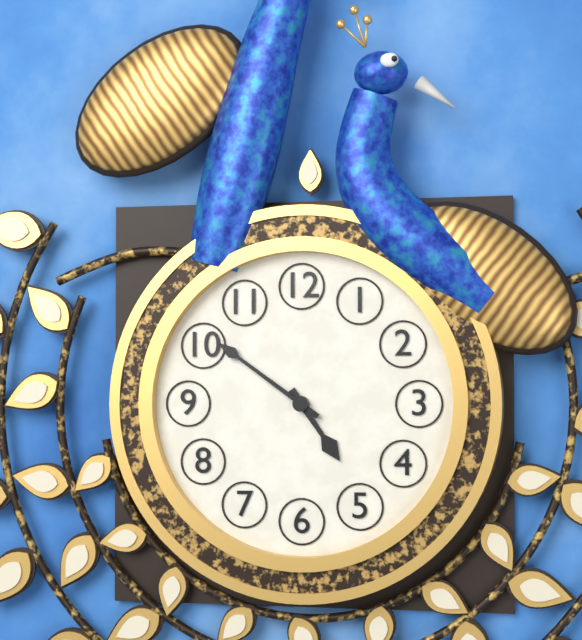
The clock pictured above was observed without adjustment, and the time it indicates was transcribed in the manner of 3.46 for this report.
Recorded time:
4.51
